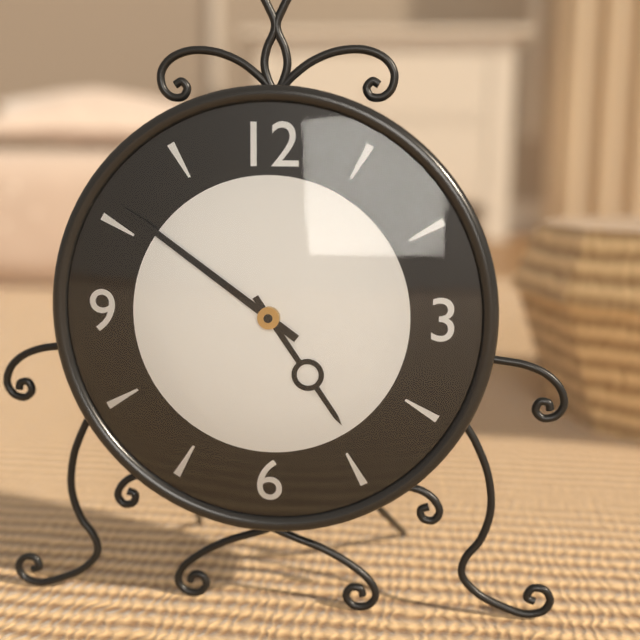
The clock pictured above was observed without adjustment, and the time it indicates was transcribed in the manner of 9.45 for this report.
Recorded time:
4.51
